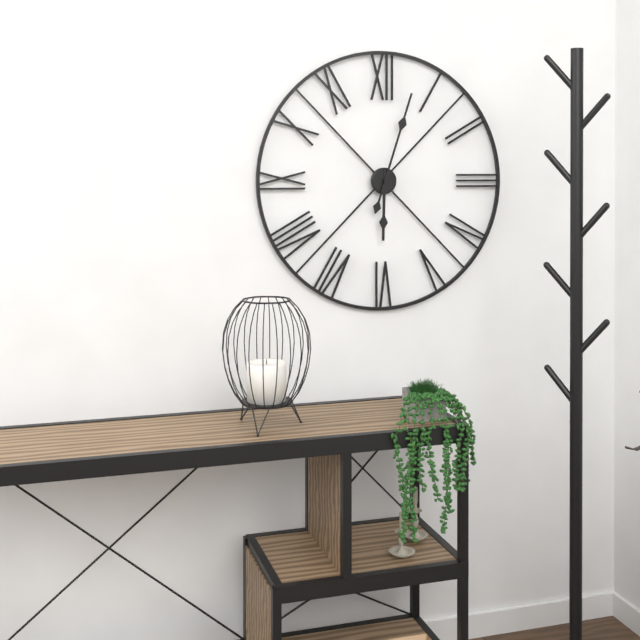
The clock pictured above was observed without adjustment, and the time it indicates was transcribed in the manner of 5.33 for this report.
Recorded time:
6.03
